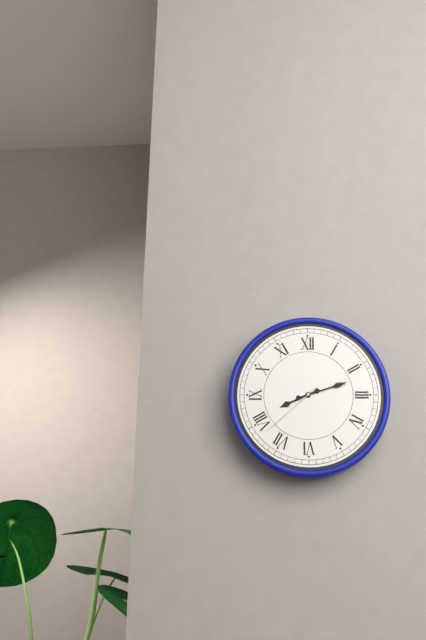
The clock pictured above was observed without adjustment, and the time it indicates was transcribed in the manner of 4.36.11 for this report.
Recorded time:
8.12.38
